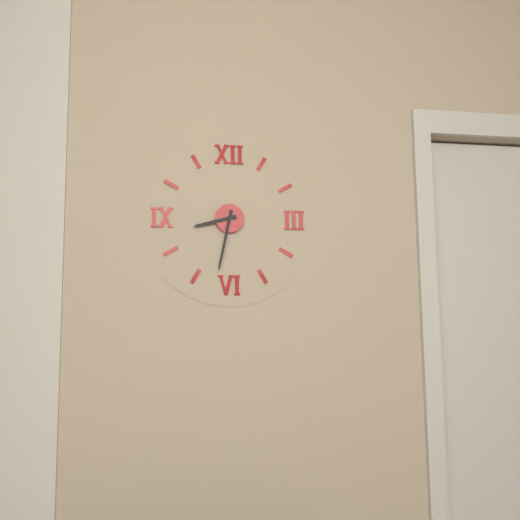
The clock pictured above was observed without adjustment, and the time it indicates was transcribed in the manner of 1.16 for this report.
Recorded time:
8.32
